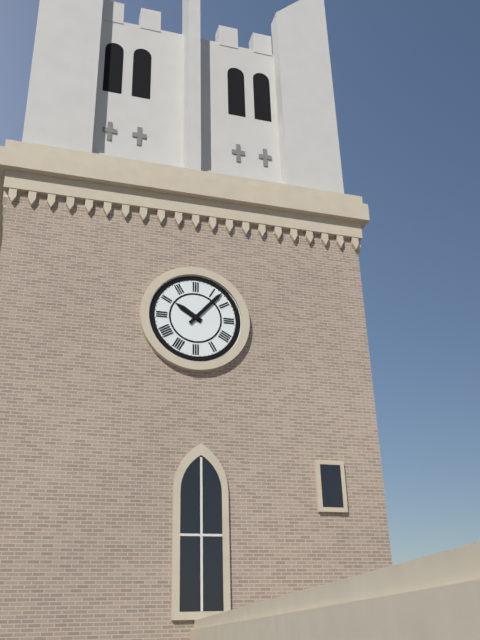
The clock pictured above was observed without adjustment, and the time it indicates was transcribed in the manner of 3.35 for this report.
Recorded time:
10.07
